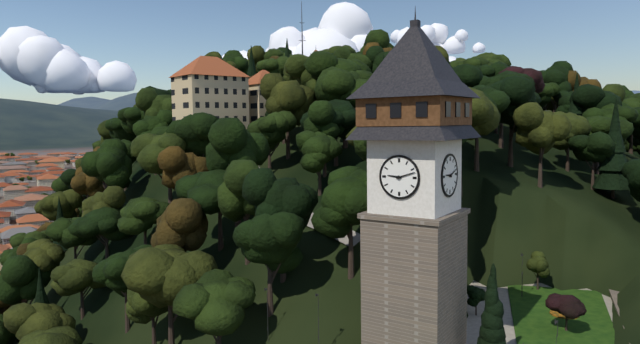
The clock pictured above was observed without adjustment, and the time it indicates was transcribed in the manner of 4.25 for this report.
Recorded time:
9.12
